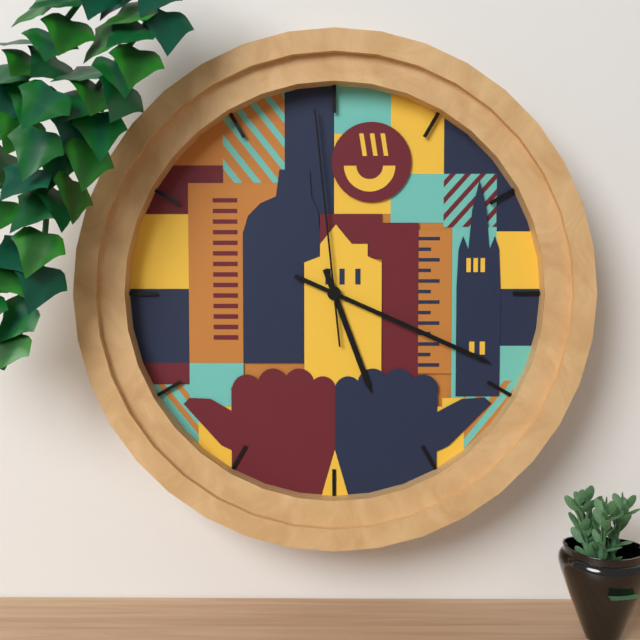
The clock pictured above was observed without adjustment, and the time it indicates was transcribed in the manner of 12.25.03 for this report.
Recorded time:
5.19.59
